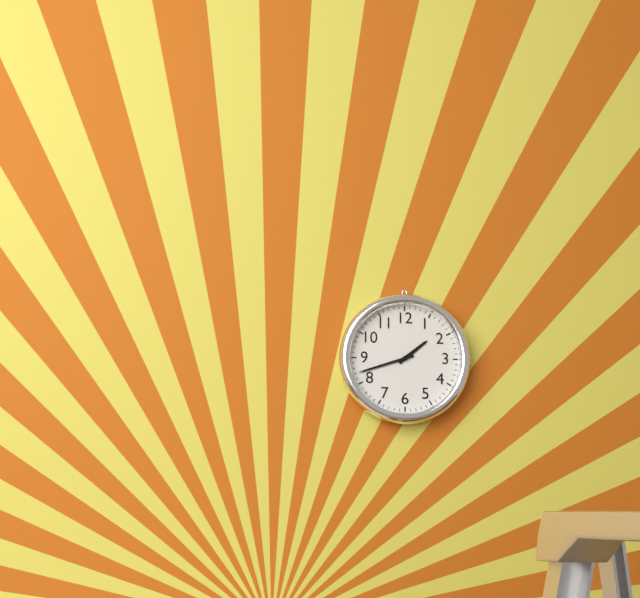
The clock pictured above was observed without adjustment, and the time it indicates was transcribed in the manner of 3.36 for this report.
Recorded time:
1.42
